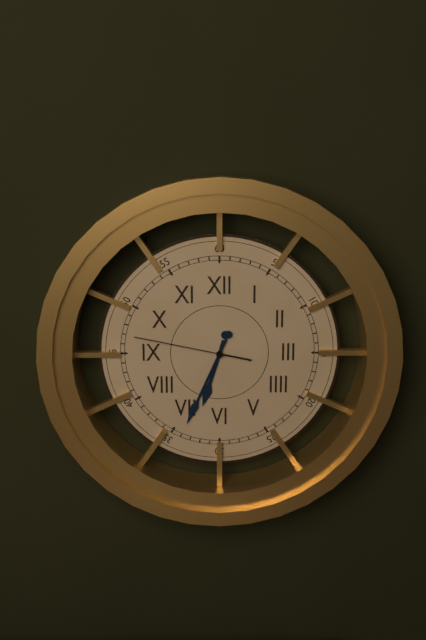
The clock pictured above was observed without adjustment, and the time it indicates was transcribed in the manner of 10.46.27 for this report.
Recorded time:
6.34.47
